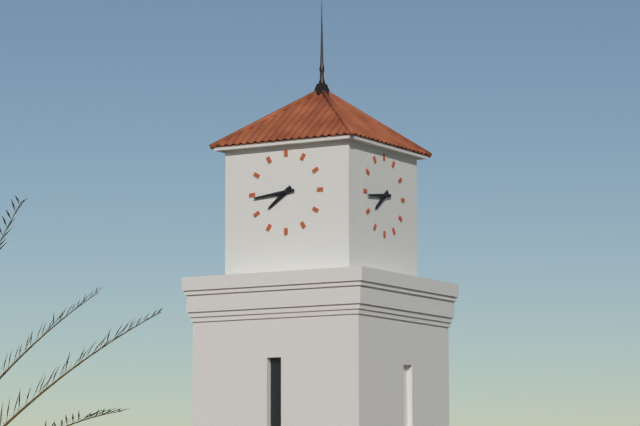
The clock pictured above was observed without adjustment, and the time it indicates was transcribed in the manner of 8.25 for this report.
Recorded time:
7.44
